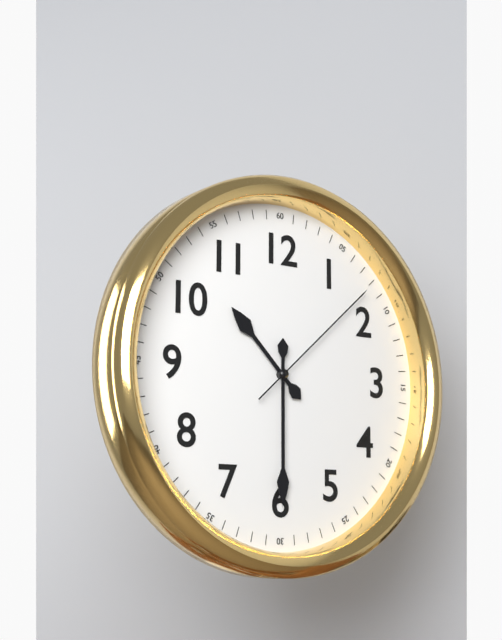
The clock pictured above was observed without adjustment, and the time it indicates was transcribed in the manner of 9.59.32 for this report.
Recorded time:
10.30.08
